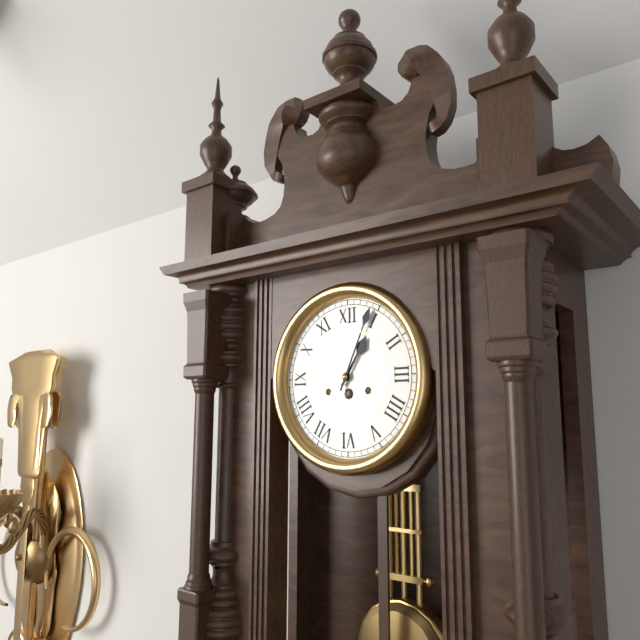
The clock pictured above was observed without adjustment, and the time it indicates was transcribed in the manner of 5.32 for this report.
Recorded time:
1.04
